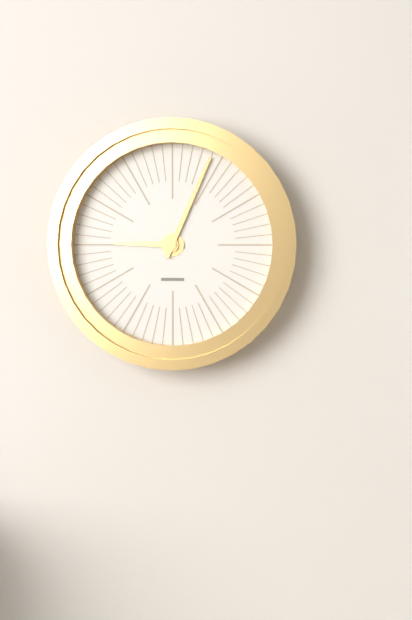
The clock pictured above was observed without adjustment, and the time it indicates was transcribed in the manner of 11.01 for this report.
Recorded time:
9.04
